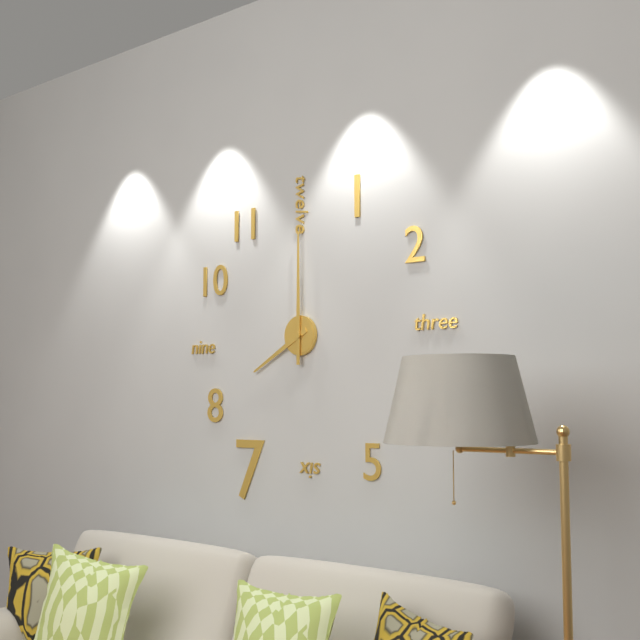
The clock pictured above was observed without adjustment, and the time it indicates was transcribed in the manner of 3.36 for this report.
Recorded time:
8.00
